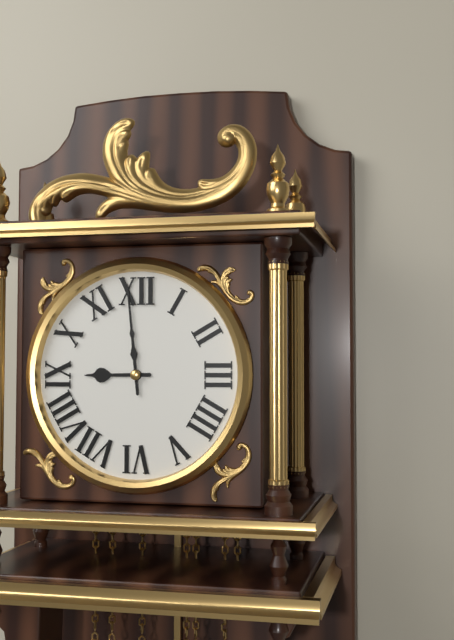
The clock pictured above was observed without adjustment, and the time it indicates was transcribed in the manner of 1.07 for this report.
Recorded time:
8.59
